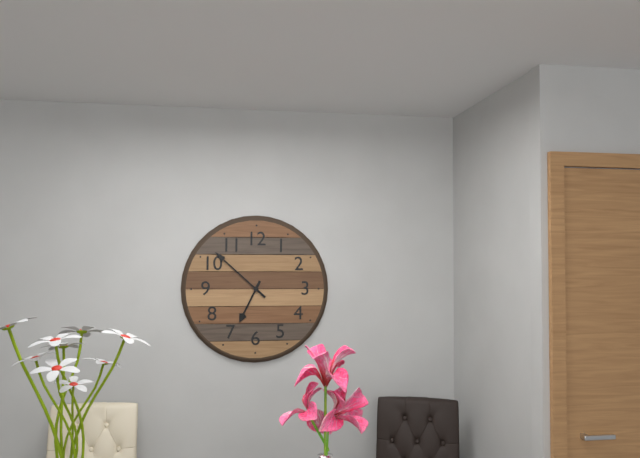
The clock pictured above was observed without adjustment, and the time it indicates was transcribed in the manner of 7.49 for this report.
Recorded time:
6.52
